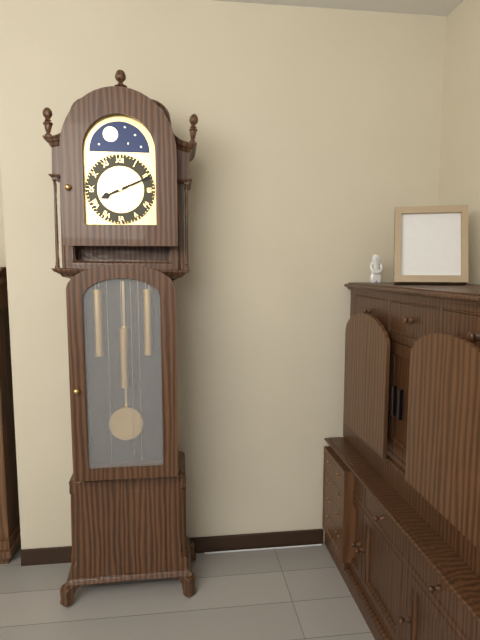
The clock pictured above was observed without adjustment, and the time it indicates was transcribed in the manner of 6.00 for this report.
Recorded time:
8.11
